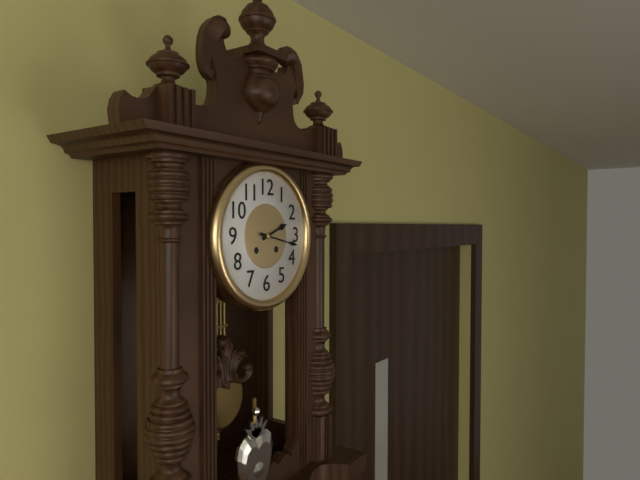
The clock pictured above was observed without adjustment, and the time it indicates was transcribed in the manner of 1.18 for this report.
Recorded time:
2.17
